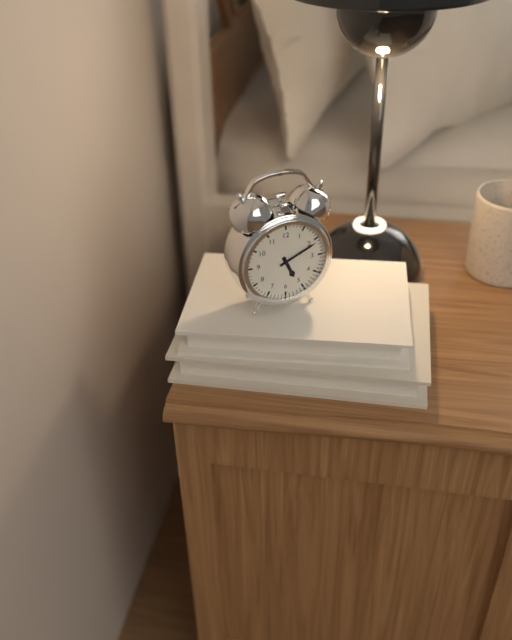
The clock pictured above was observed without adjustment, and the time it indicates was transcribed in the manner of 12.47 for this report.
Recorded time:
5.11
